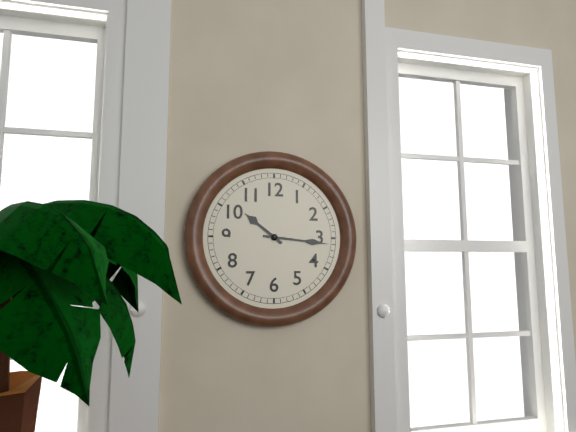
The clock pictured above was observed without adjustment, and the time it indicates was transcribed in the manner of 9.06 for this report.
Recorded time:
10.16
